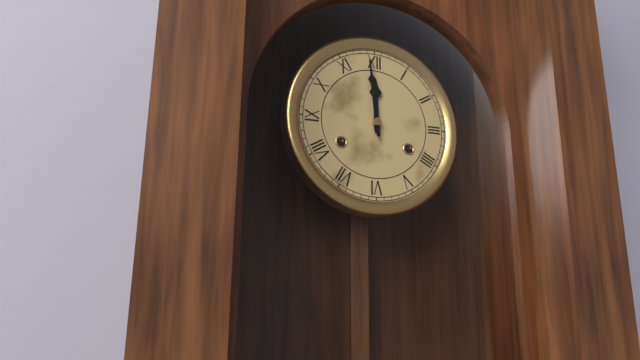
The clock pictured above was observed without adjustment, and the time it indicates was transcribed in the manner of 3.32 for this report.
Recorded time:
11.59
